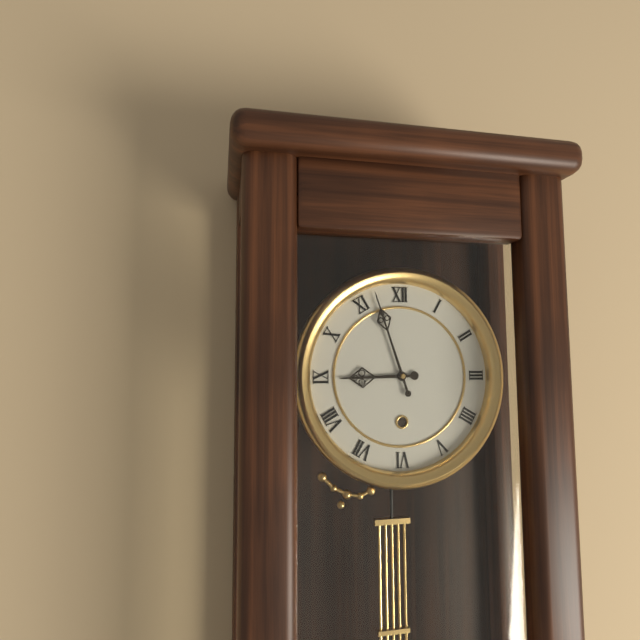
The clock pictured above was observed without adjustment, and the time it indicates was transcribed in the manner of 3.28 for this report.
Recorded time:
8.57
